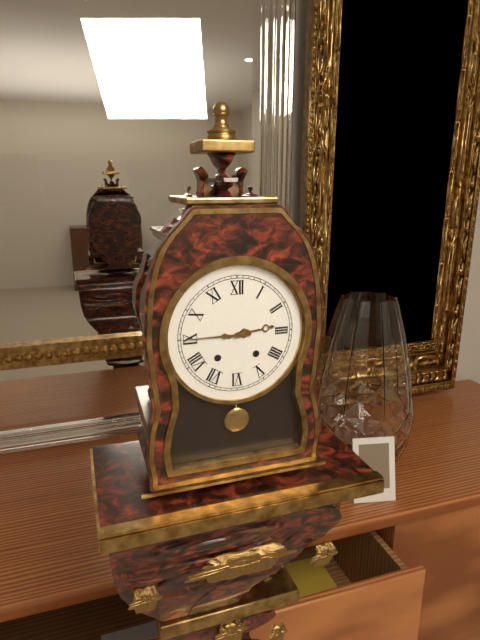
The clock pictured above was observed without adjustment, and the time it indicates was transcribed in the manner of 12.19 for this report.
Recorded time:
2.45
